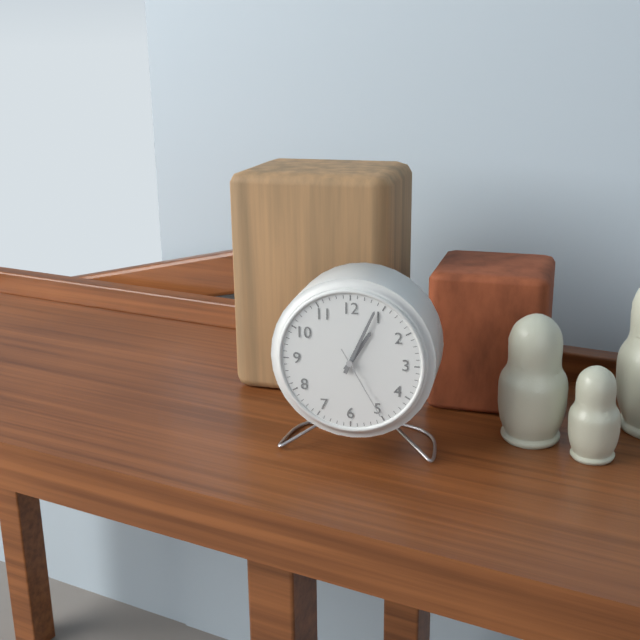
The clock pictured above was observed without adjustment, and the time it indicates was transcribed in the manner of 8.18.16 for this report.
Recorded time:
1.04.25
